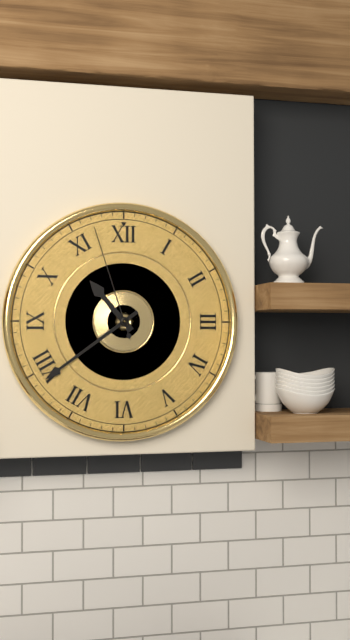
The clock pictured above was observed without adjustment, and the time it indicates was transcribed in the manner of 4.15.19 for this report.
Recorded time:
10.39.57
